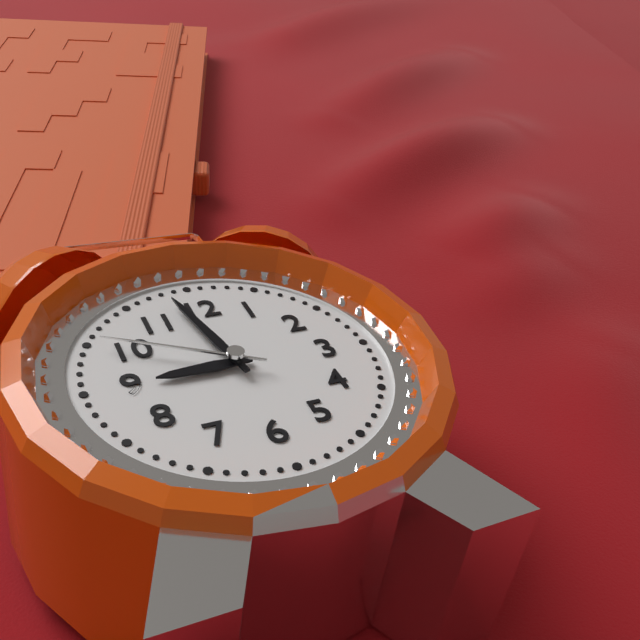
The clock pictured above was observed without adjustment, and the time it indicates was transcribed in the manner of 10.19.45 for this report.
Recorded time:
8.58.50
